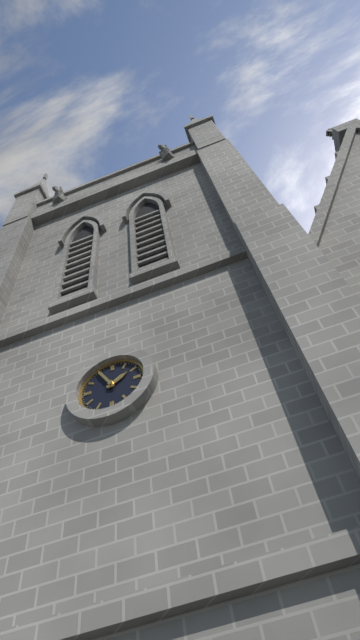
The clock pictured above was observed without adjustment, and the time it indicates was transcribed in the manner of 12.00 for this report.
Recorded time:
1.55
